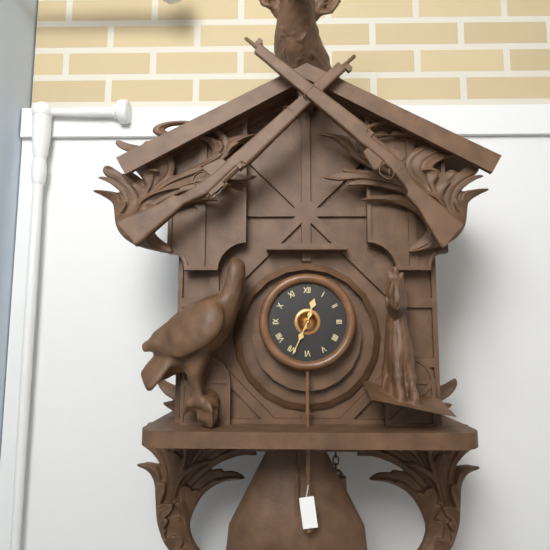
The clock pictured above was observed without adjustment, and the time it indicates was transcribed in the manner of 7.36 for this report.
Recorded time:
12.34
